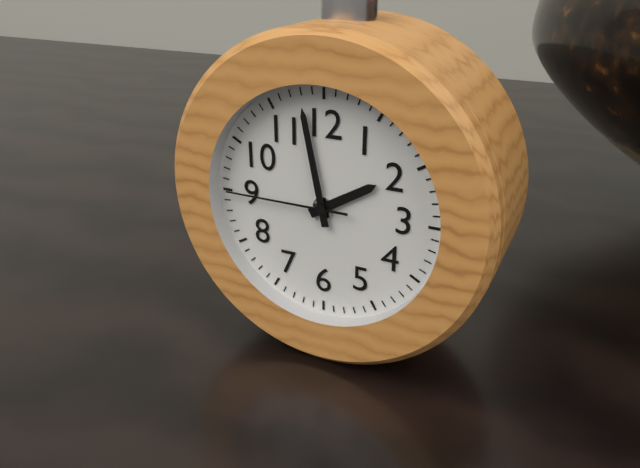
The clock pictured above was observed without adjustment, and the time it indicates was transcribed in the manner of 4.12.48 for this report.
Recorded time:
1.58.45
